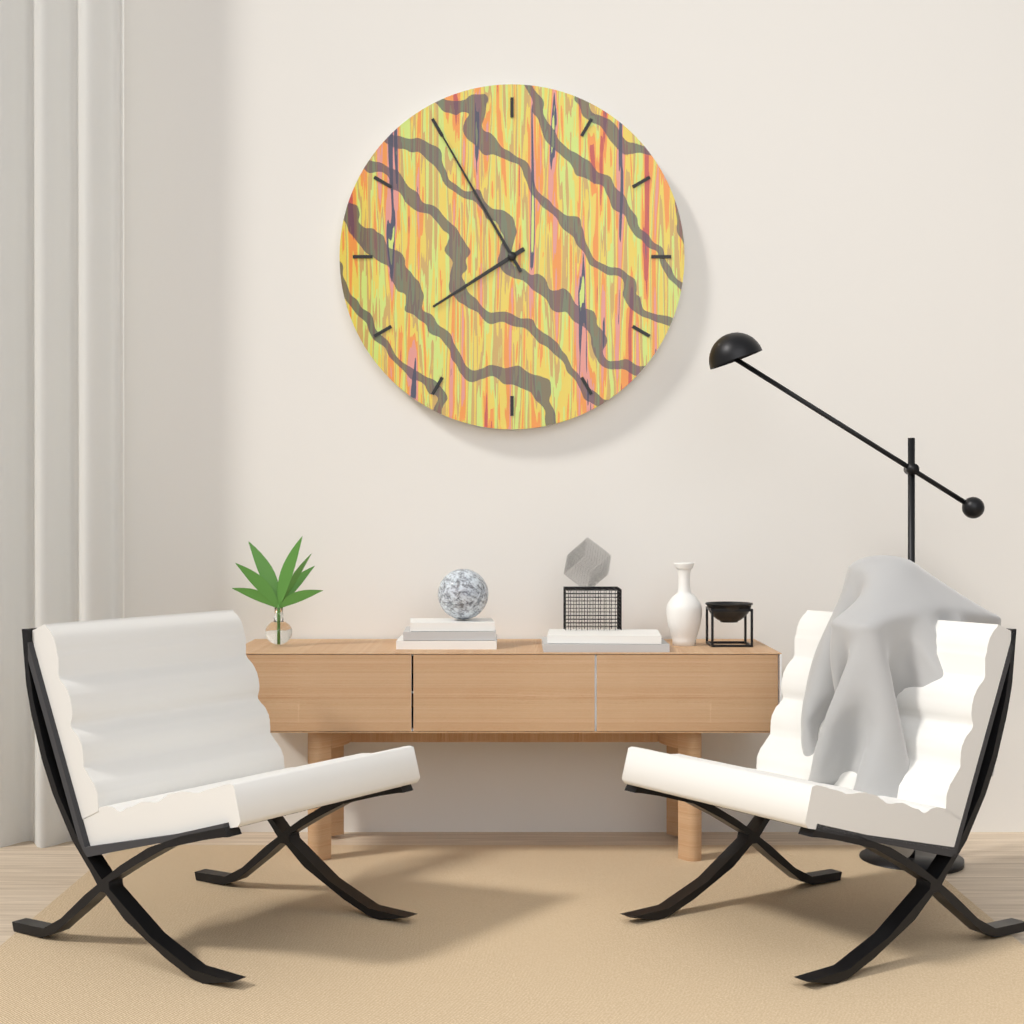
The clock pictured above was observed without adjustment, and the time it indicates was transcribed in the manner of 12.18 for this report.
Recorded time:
7.55
